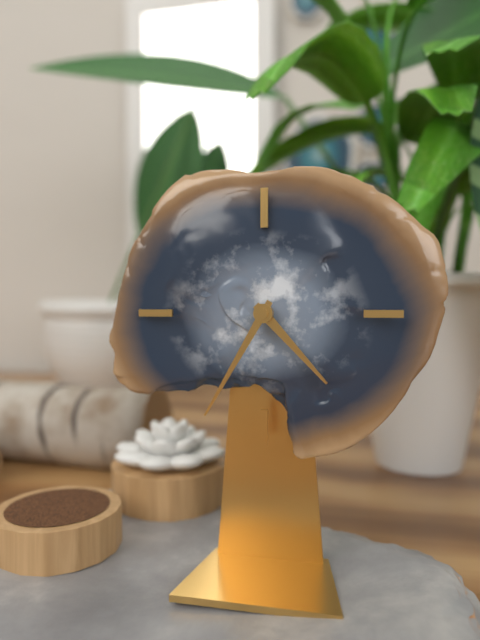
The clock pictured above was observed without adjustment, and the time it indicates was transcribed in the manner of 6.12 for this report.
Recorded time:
4.35
